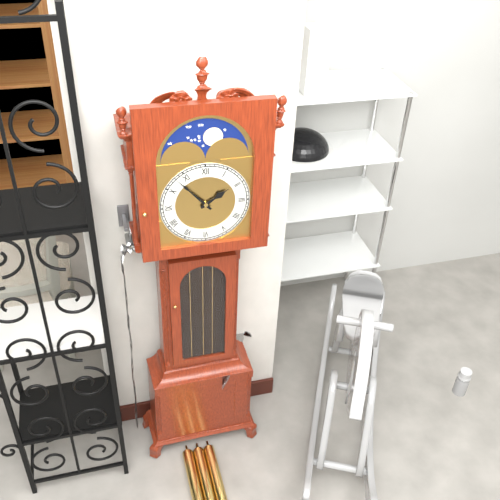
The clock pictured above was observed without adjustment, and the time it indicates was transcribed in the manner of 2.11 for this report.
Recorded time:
1.53
